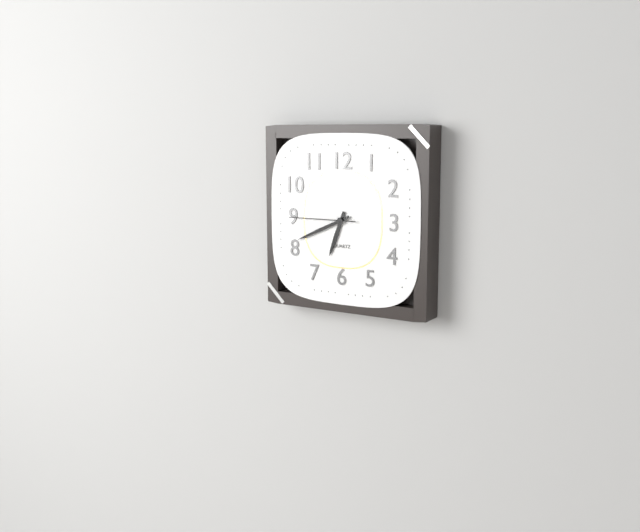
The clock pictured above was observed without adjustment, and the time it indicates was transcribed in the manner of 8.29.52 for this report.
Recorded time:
6.41.45
